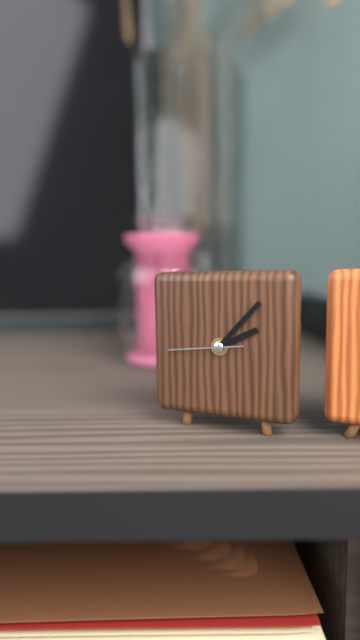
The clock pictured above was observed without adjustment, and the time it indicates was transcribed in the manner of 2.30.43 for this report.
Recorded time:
2.07.44
